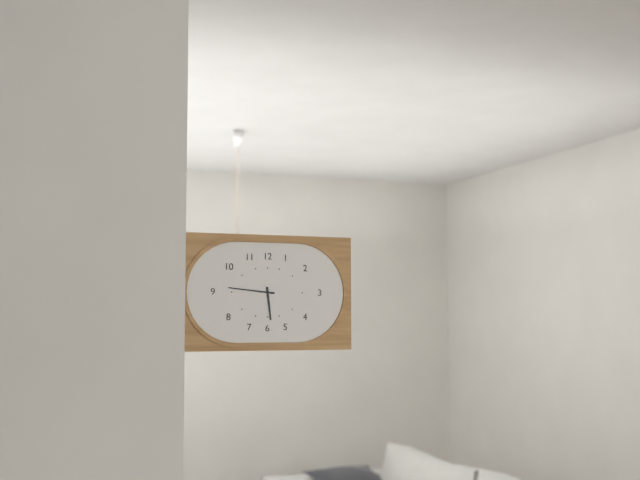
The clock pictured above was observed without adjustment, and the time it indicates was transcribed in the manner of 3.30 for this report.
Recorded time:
5.46
